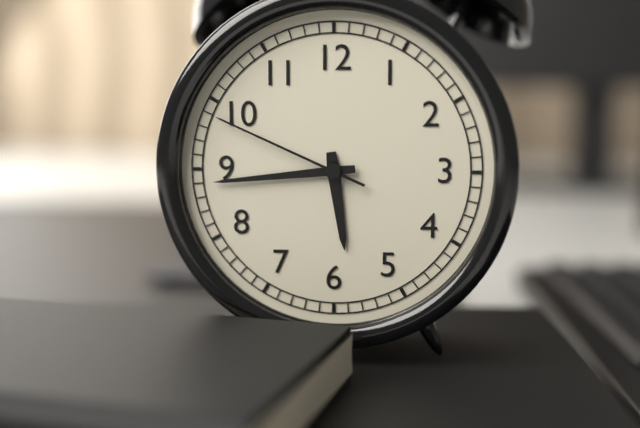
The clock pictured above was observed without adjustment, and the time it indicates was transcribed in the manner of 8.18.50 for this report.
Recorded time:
5.44.49
